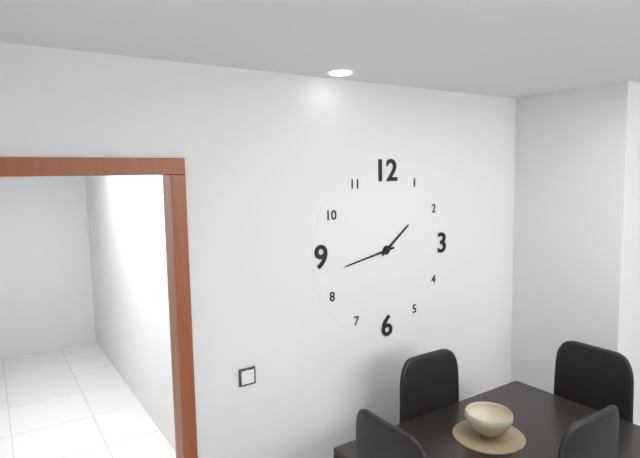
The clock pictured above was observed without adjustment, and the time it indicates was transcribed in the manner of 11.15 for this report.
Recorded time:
1.43
